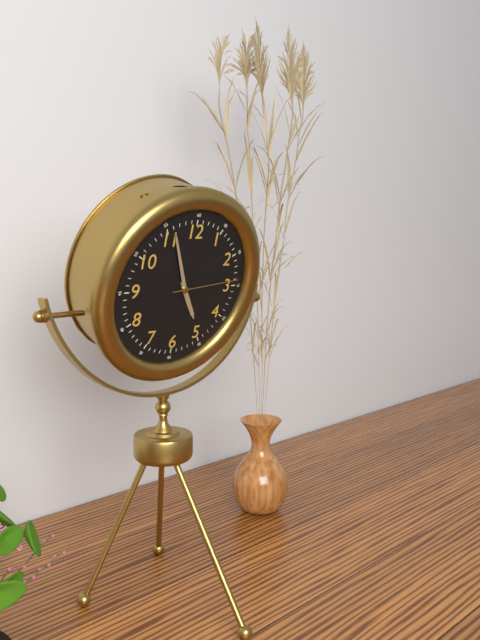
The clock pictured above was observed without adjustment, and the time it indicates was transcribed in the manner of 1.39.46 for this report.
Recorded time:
4.56.14
